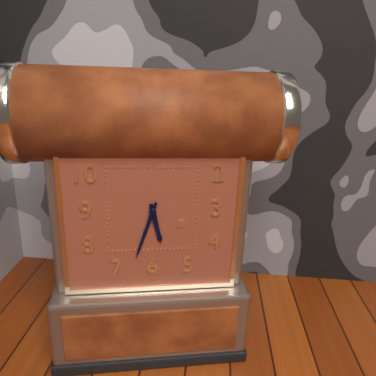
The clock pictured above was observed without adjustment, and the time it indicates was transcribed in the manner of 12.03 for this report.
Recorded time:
5.33
